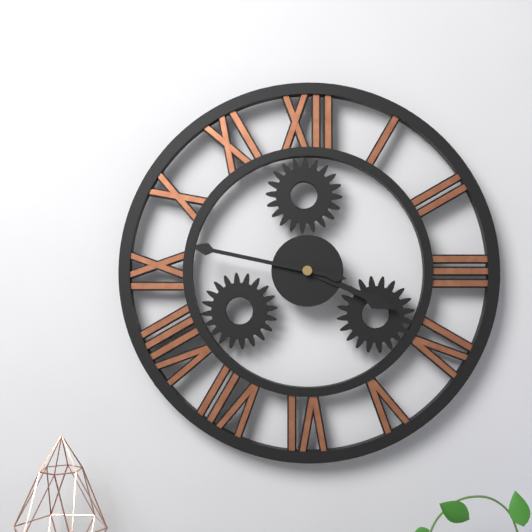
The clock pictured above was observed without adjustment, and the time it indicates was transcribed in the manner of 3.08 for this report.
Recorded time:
3.47
